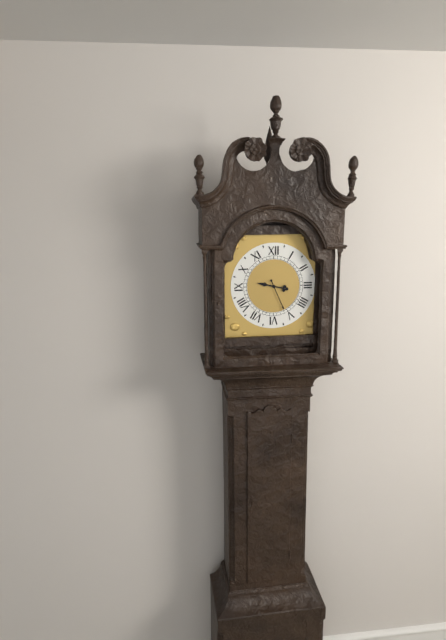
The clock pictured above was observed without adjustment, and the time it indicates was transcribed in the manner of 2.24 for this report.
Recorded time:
9.26
